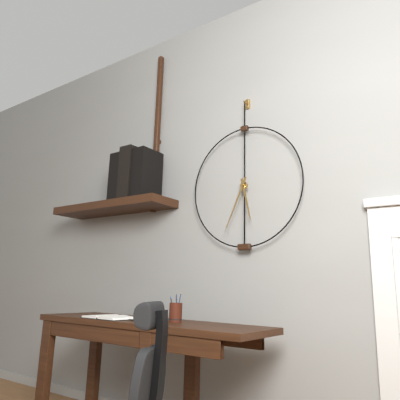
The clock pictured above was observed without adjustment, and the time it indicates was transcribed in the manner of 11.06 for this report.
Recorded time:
5.34
